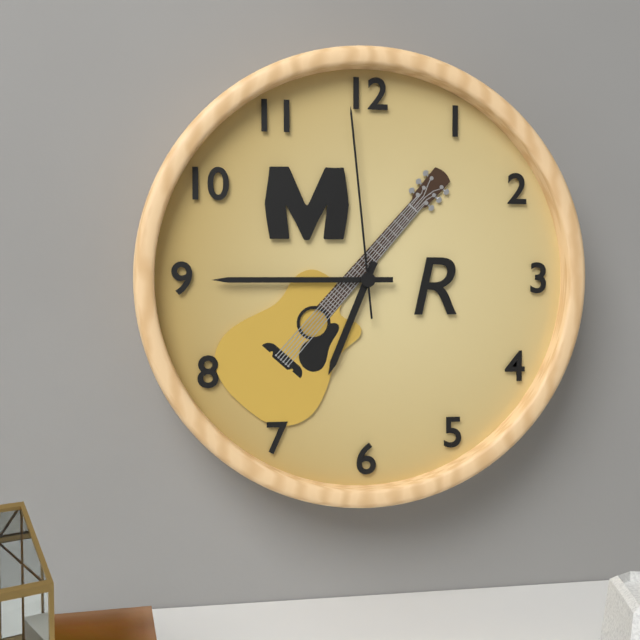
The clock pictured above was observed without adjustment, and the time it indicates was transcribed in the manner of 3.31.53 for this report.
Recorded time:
6.45.59
